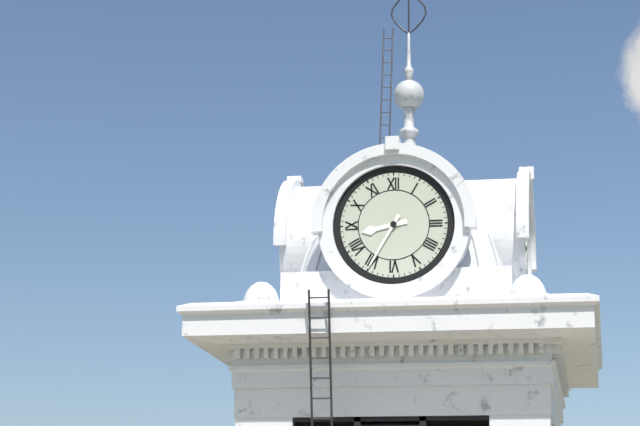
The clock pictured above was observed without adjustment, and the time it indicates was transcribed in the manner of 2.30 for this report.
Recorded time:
8.35
